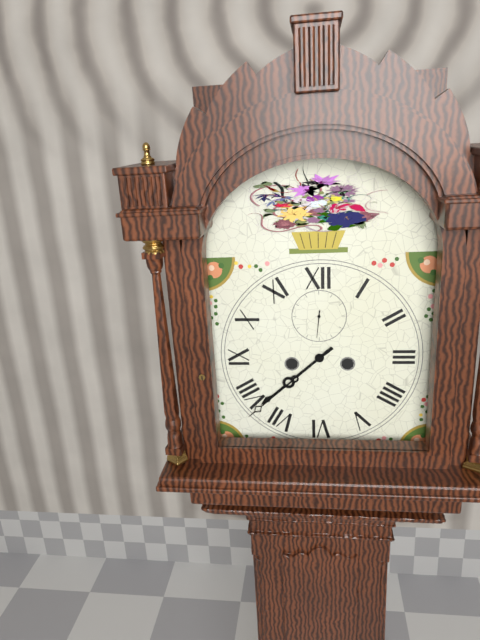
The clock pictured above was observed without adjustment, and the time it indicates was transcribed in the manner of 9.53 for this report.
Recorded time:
7.38
